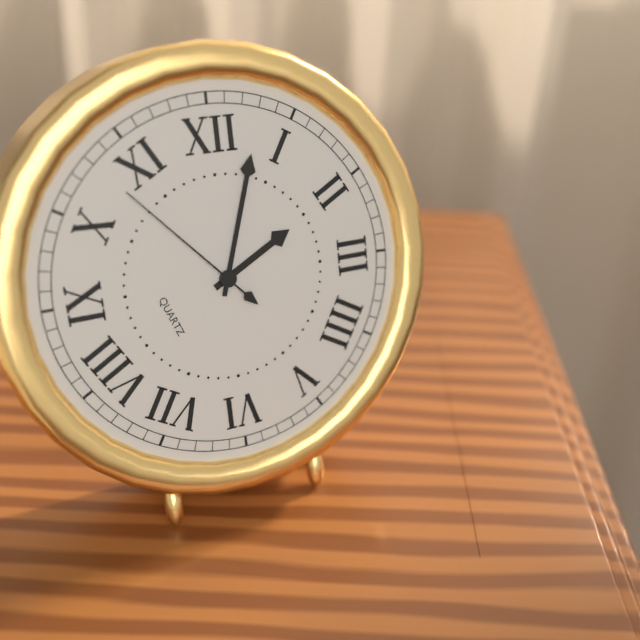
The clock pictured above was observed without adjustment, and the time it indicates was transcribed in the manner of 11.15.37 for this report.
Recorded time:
2.03.53
